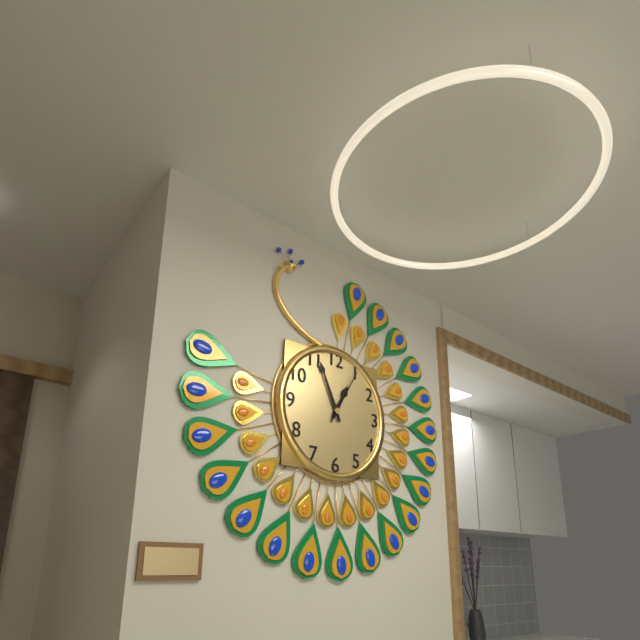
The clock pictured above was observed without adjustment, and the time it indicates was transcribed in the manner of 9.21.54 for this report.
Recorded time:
12.56.05
